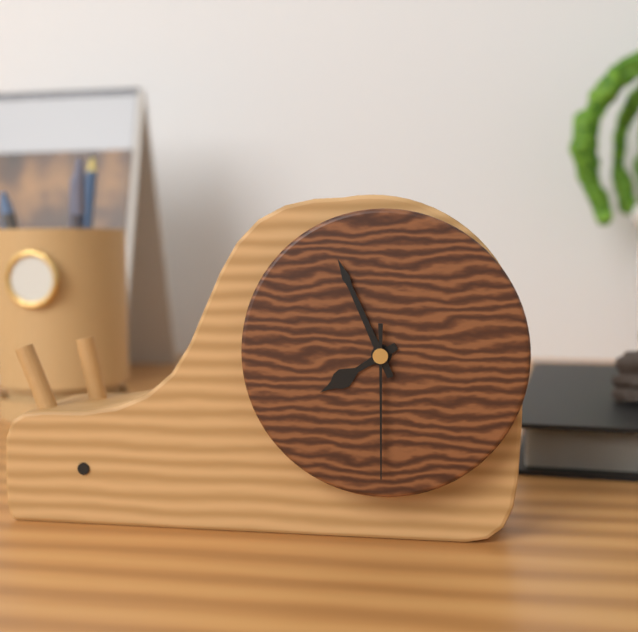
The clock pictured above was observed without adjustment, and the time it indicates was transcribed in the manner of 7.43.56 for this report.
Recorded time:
7.56.30
